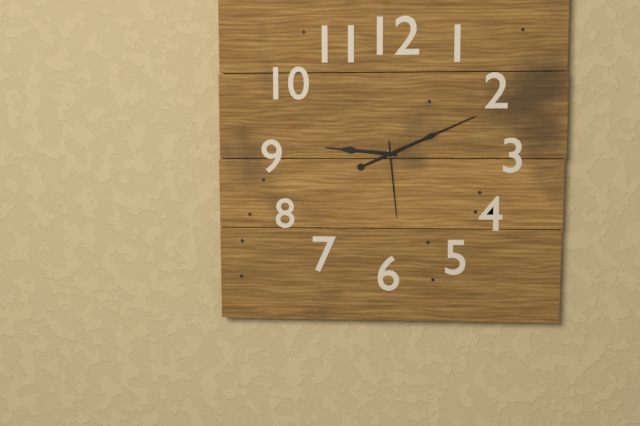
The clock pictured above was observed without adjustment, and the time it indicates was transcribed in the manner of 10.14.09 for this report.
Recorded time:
9.11.29
